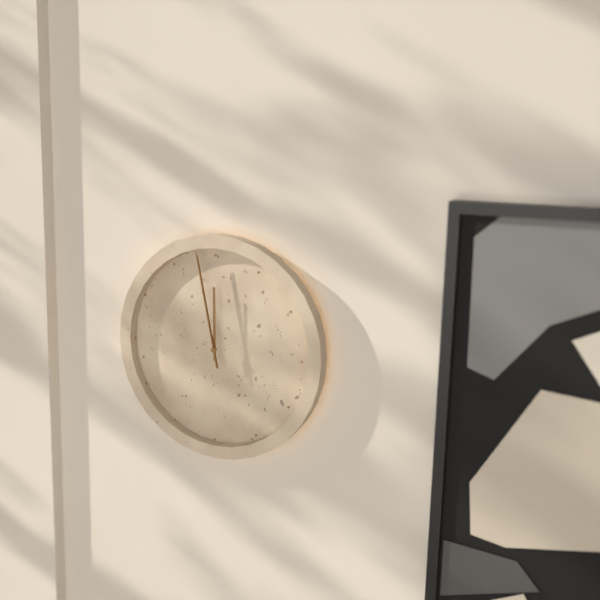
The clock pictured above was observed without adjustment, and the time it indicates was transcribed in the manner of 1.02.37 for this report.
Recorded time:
11.58.58
